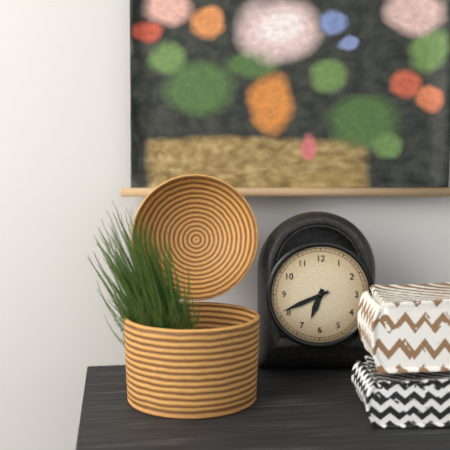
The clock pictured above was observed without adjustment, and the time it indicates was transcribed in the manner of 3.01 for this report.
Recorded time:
6.41
